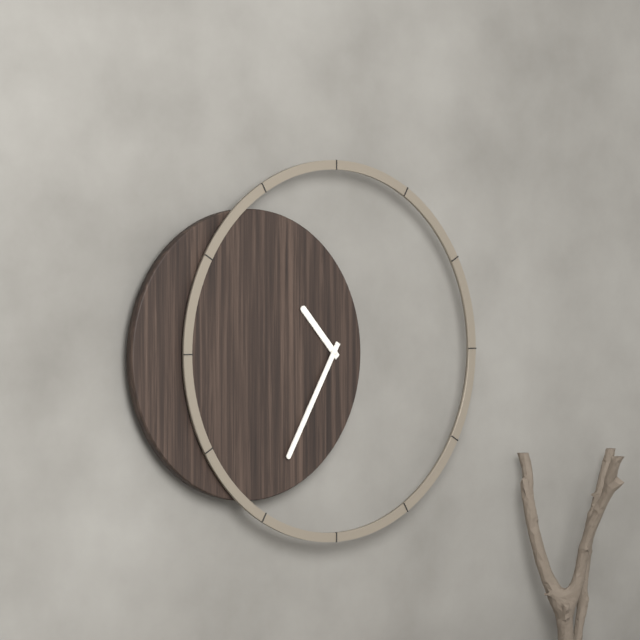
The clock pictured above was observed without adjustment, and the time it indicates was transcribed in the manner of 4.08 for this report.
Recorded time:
10.35
